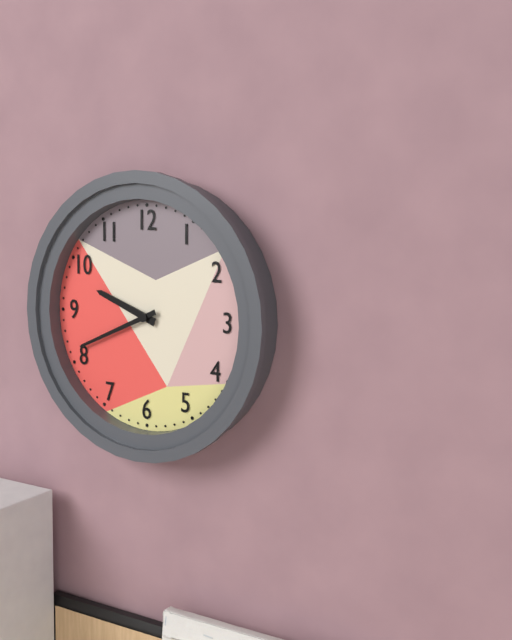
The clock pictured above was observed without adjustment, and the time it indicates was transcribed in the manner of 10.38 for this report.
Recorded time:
9.41
